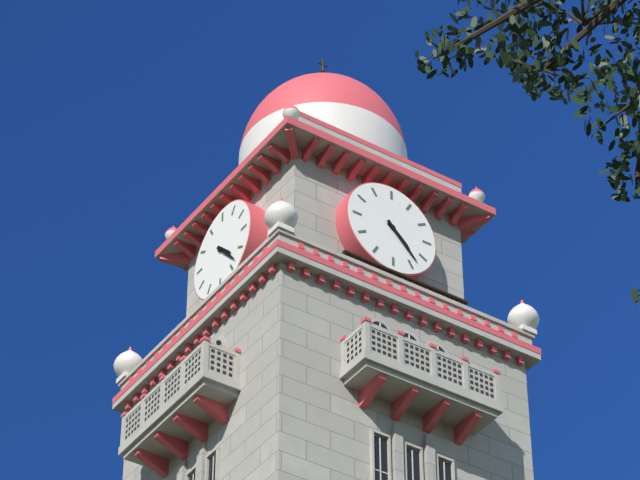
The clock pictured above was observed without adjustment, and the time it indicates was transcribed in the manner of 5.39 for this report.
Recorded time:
4.23
